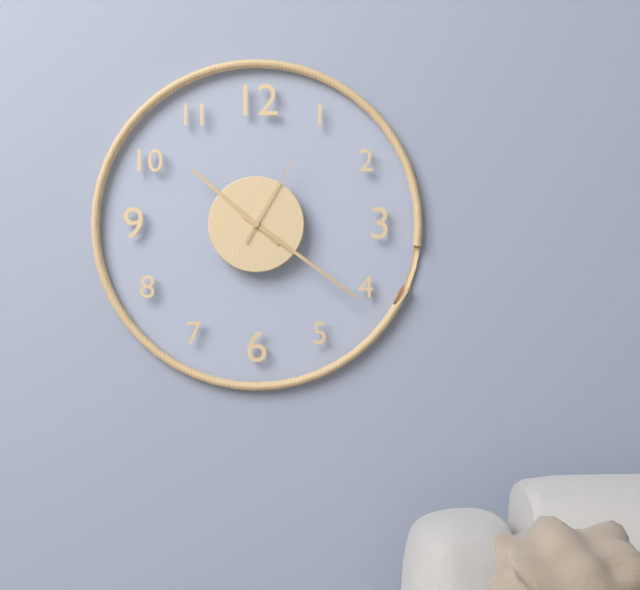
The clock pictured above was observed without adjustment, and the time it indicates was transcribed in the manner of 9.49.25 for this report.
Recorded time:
10.21.05
